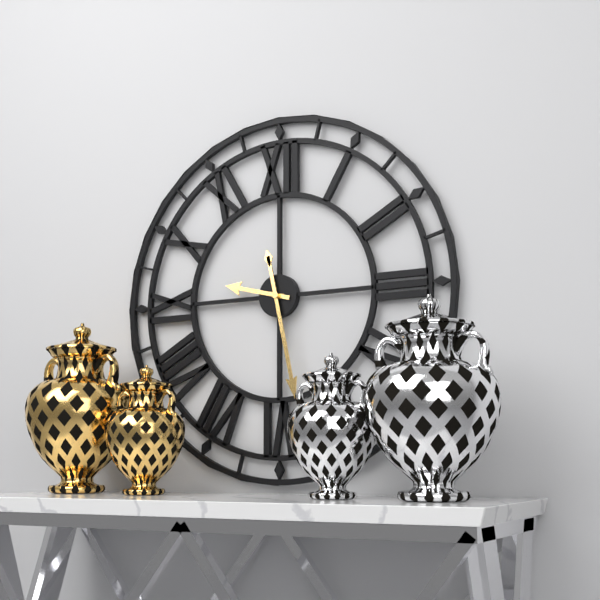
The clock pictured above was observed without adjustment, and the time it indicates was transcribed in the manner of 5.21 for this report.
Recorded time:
9.28
